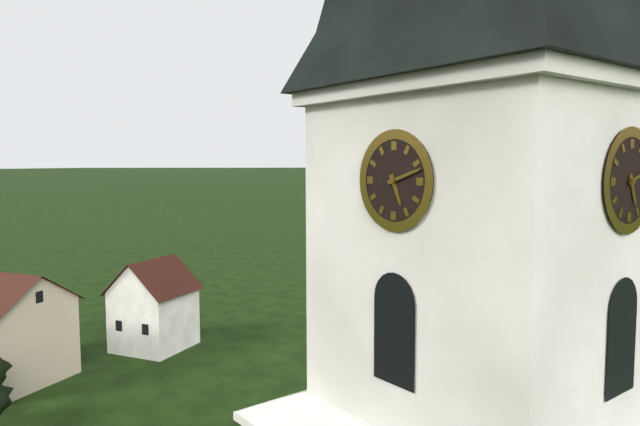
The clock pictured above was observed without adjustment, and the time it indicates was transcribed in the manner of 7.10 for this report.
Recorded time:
5.12
